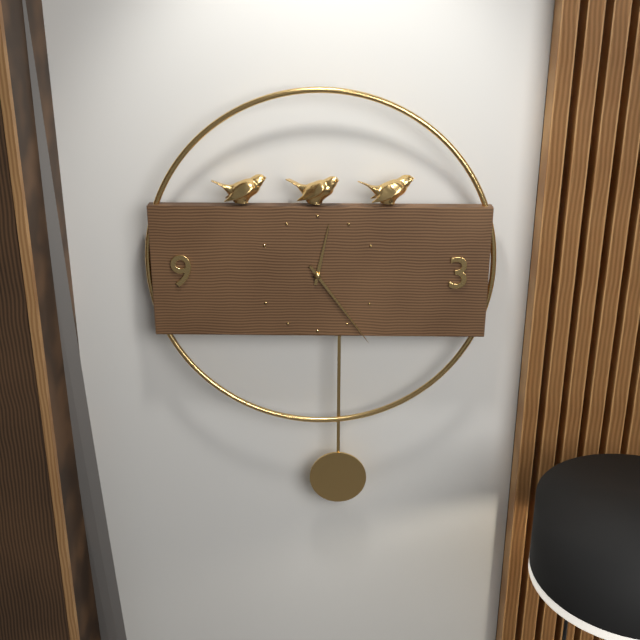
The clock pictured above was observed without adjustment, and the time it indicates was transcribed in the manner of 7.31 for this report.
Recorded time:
12.24
